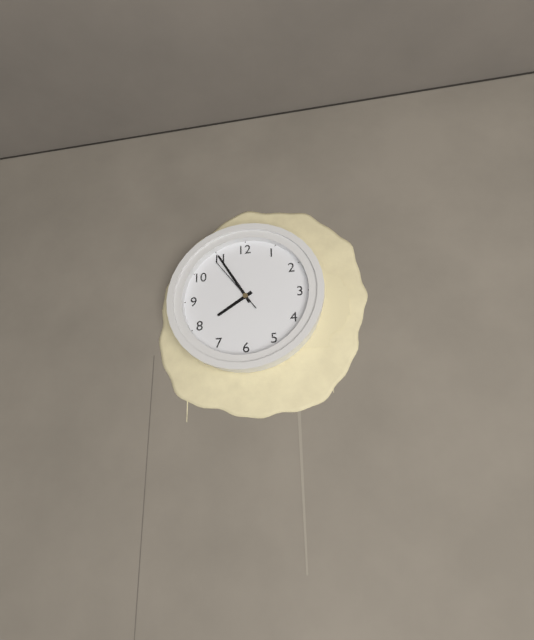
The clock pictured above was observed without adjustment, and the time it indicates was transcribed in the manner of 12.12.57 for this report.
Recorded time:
7.55.54
